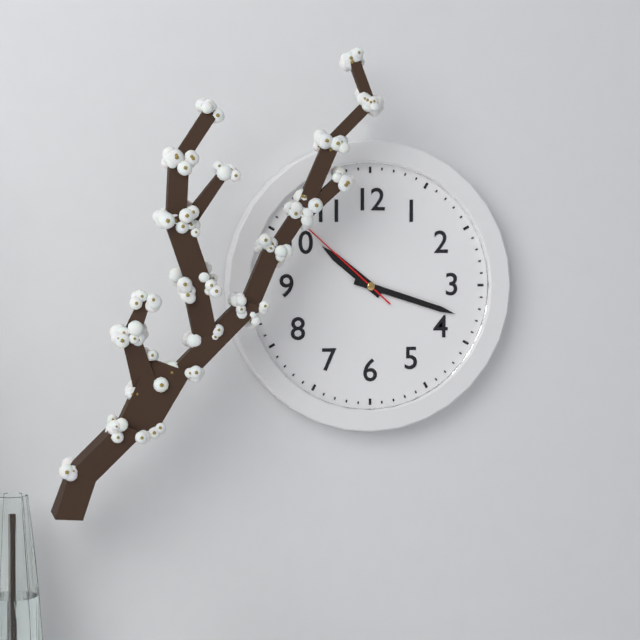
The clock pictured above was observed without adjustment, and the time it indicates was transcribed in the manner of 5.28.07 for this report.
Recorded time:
10.18.52
